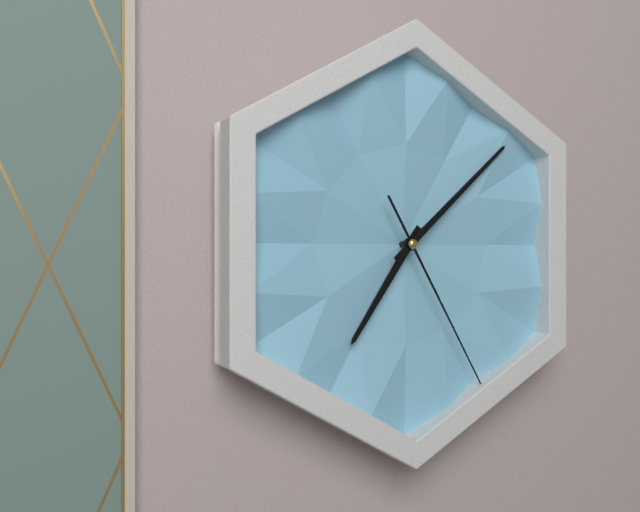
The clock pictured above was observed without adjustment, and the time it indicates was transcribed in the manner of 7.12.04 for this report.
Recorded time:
7.08.25
